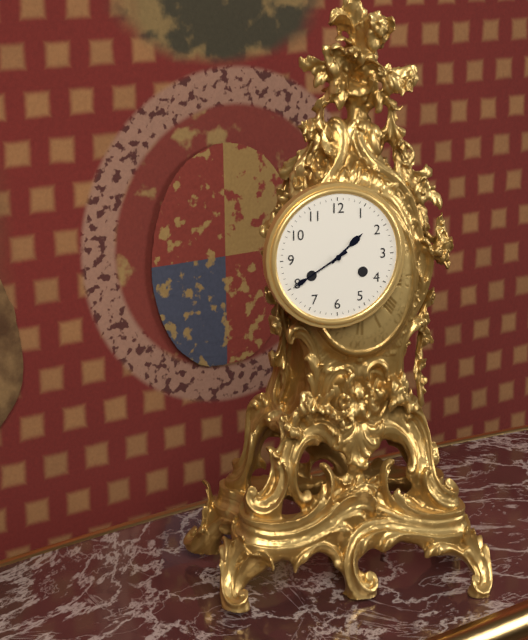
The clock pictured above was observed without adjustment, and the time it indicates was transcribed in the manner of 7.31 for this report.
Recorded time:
1.40
